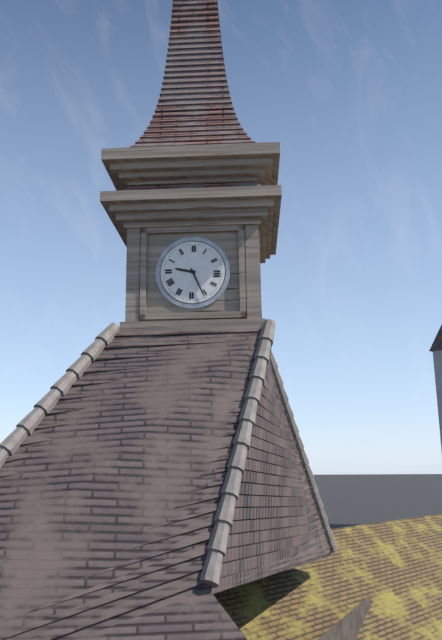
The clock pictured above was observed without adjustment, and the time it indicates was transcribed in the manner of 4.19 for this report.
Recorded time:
9.26
